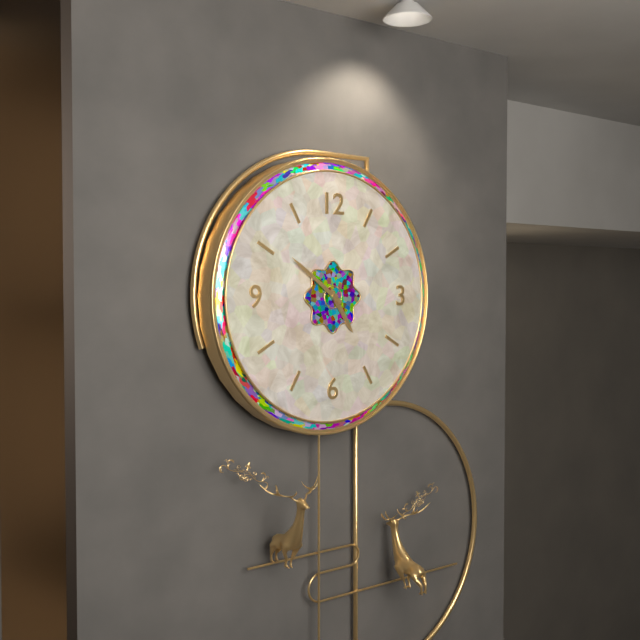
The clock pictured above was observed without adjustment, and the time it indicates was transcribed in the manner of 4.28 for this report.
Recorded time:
4.51
